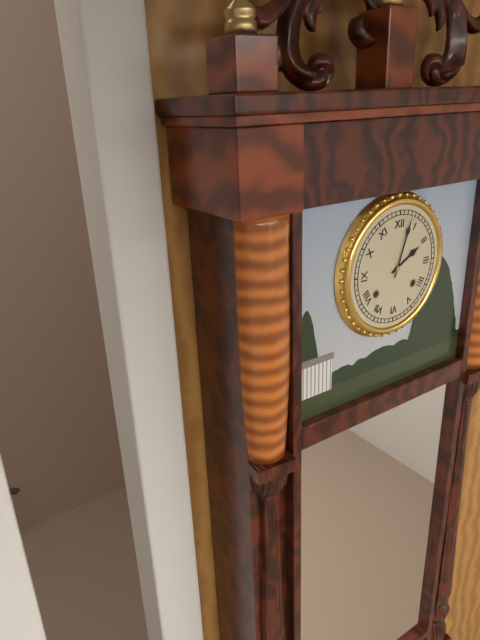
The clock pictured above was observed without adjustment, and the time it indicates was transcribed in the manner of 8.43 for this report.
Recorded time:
2.03
